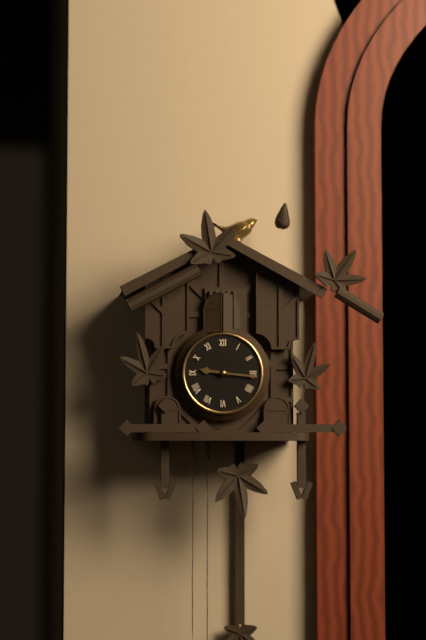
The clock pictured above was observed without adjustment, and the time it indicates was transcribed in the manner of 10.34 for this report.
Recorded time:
9.16
